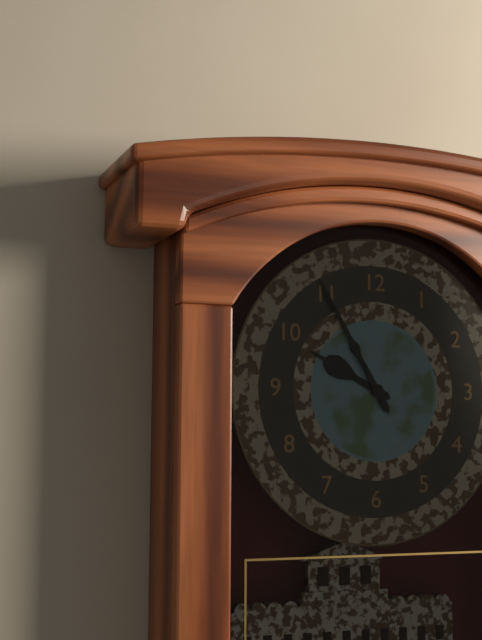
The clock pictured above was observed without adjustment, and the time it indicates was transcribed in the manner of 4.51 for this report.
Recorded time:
9.55
